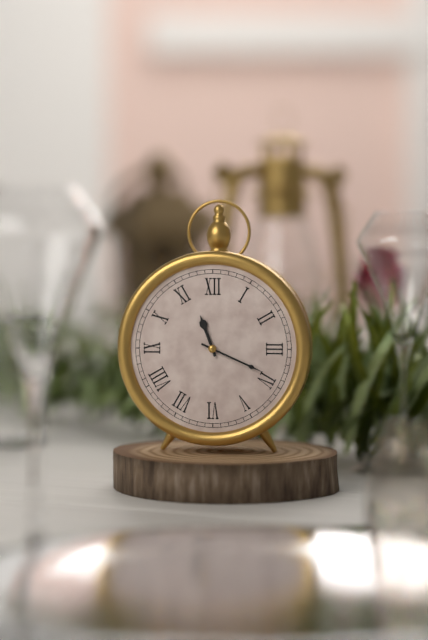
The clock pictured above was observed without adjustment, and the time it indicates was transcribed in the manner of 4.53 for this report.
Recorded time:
11.19
